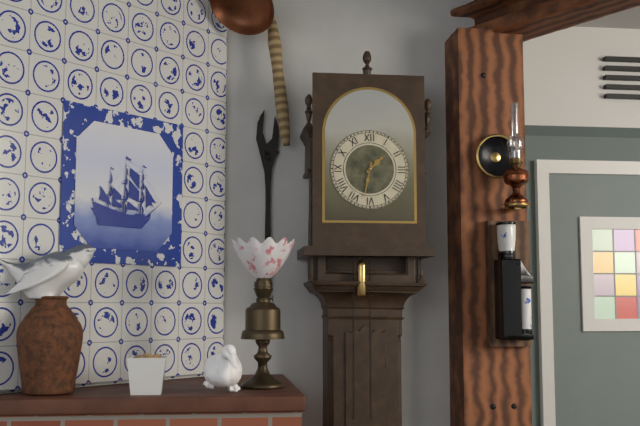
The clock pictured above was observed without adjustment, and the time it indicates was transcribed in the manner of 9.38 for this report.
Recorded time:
1.32
